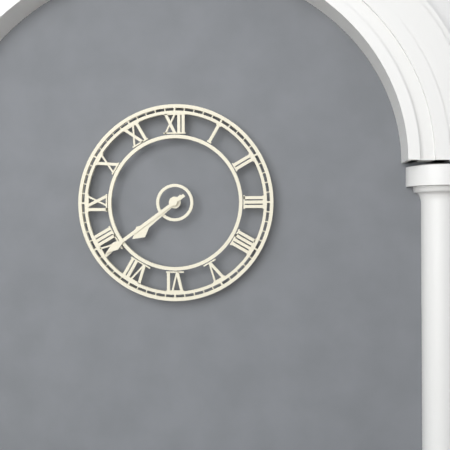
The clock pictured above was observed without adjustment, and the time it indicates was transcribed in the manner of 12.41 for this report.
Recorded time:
7.39
